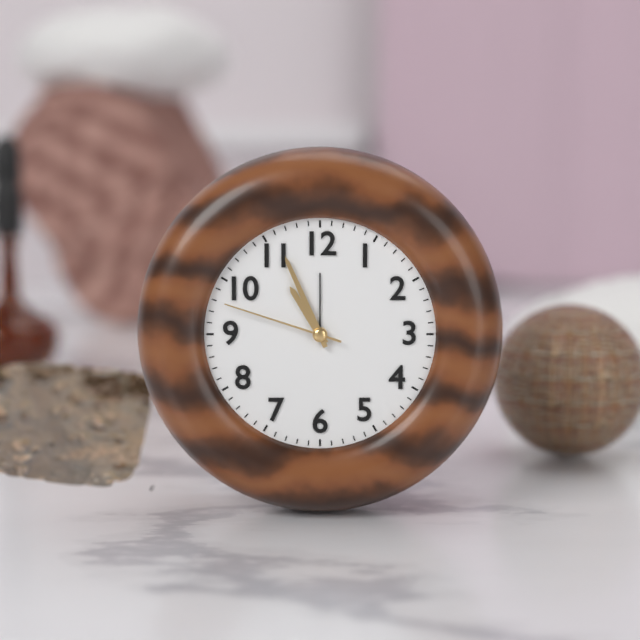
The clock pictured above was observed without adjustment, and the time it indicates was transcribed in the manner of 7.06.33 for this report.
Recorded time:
10.56.48
